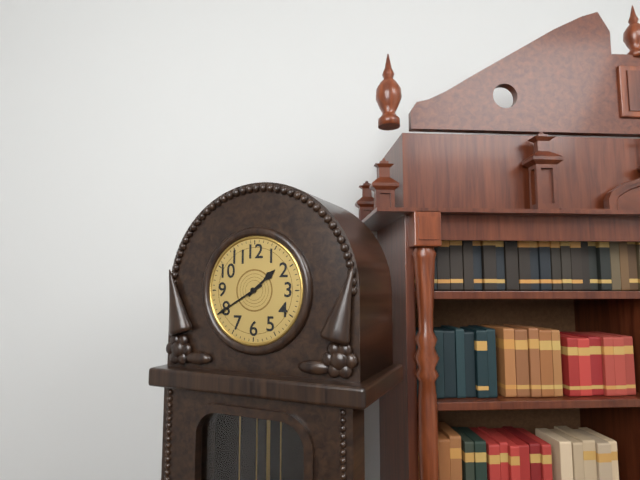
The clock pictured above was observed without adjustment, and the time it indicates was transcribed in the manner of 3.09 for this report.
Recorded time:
1.40
